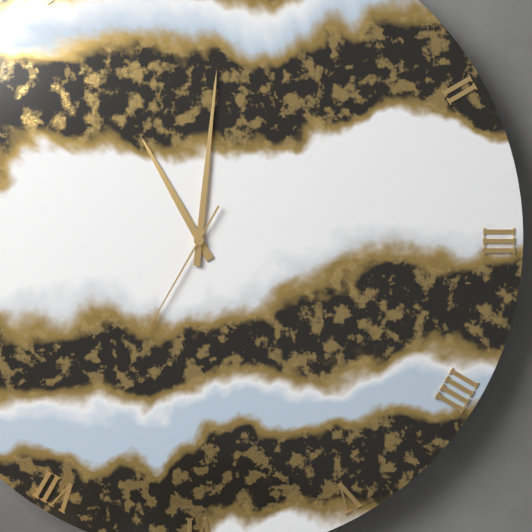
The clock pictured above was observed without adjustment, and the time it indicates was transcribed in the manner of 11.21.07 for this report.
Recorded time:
11.01.35
